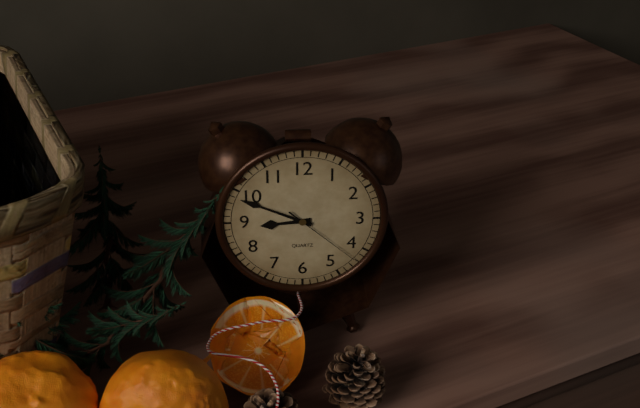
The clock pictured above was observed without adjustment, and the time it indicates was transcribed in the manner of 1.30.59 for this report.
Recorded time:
8.49.22
